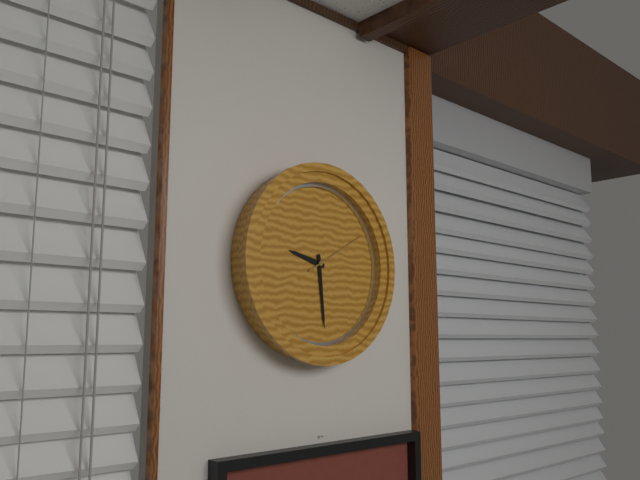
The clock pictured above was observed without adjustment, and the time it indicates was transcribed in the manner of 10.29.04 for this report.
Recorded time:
9.29.10
